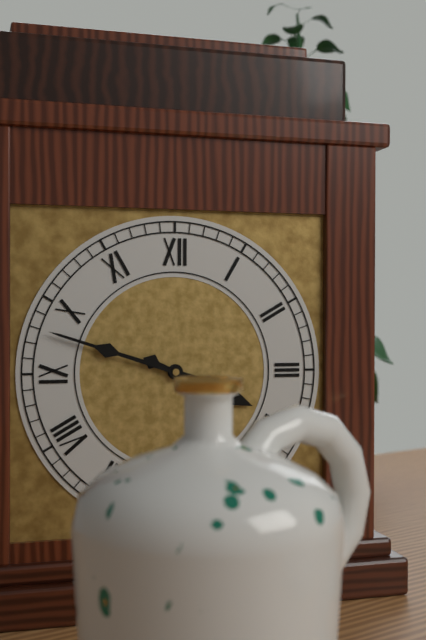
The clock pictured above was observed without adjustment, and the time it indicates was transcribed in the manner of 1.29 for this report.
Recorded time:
3.48
